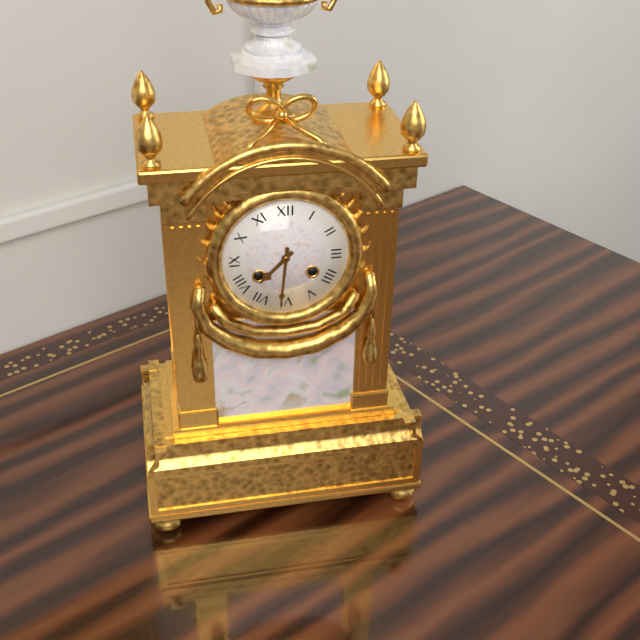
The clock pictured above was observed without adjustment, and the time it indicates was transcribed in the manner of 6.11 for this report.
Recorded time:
7.31
